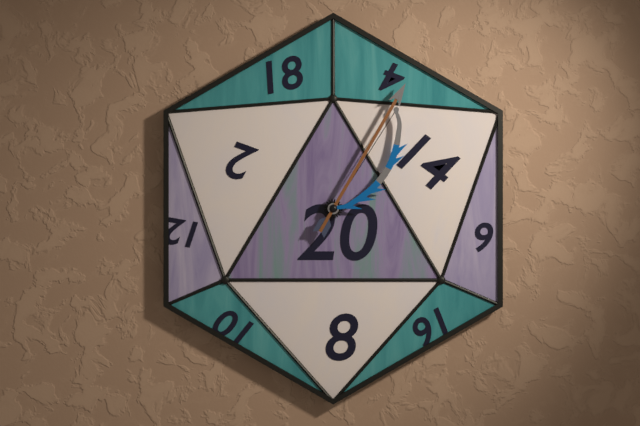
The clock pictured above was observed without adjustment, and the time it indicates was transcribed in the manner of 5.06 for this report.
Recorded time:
1.05
